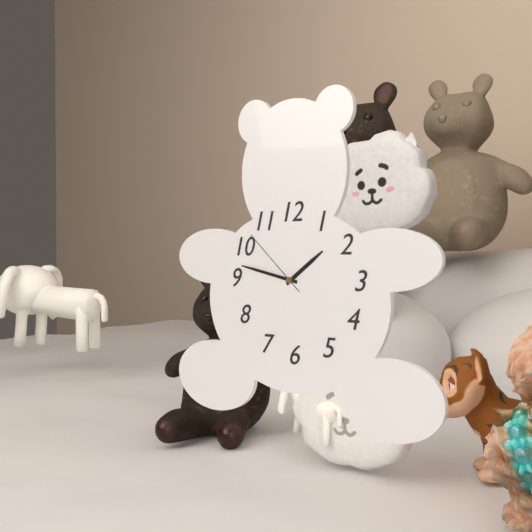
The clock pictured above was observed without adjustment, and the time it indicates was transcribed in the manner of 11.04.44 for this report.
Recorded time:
1.47.52
